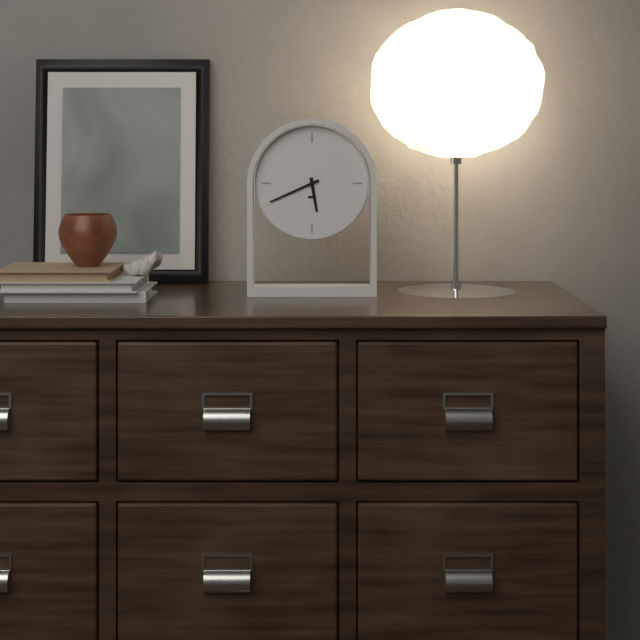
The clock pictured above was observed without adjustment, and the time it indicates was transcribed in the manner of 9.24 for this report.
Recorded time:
5.41
